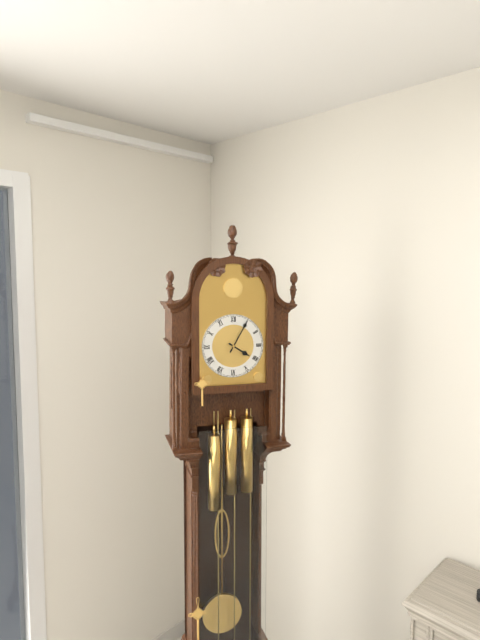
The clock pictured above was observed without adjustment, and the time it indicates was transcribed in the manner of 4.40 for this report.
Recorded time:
4.05
